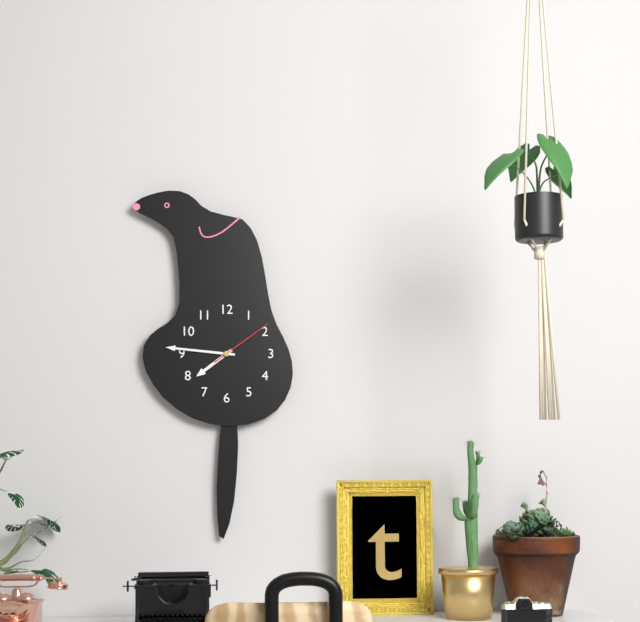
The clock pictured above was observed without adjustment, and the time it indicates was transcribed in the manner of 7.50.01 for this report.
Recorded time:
7.46.09
